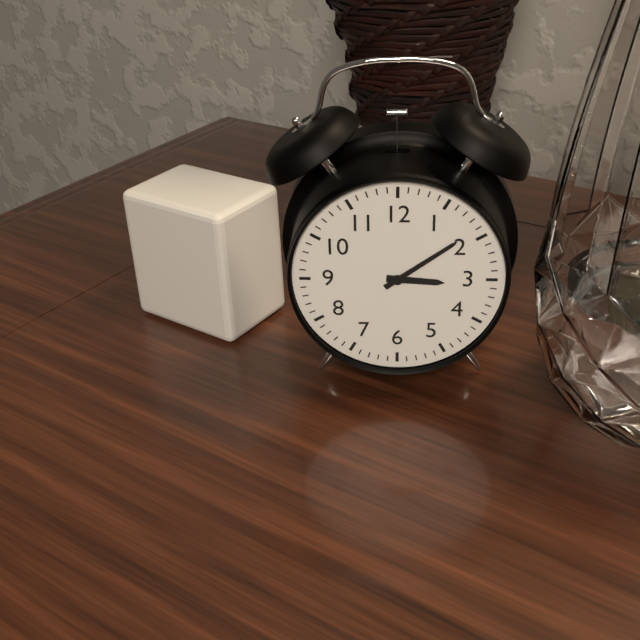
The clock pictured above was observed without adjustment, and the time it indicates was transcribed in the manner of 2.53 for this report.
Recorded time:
3.09
